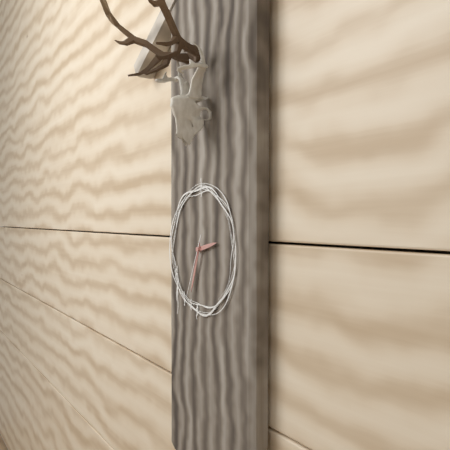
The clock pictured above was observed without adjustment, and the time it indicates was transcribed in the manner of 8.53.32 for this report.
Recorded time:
2.33.34
